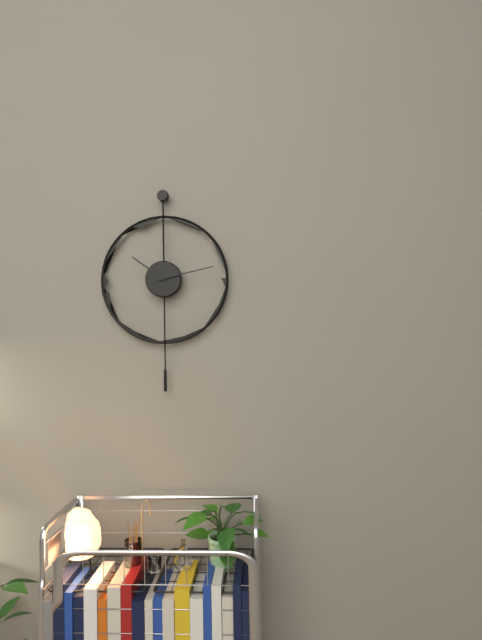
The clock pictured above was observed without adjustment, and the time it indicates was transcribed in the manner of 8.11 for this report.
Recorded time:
10.13
